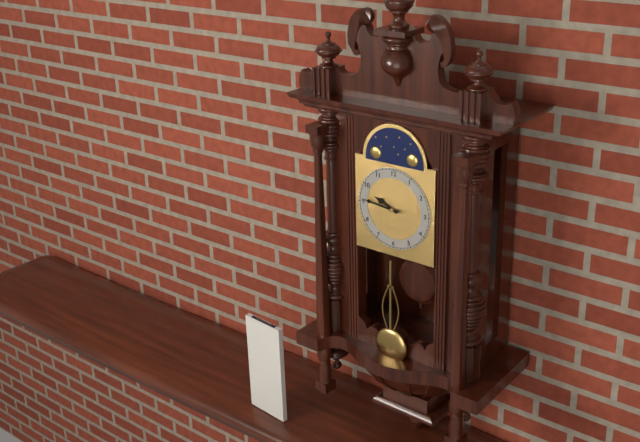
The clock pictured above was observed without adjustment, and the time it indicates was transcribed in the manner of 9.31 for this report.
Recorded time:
9.46
